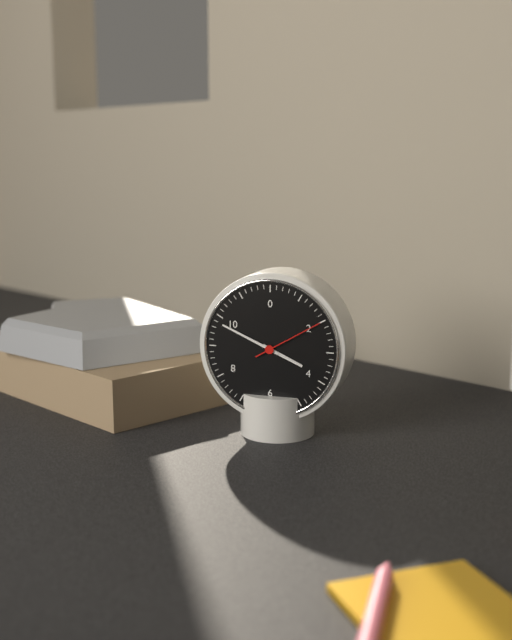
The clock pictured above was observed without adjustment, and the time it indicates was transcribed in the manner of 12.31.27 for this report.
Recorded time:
3.49.10
